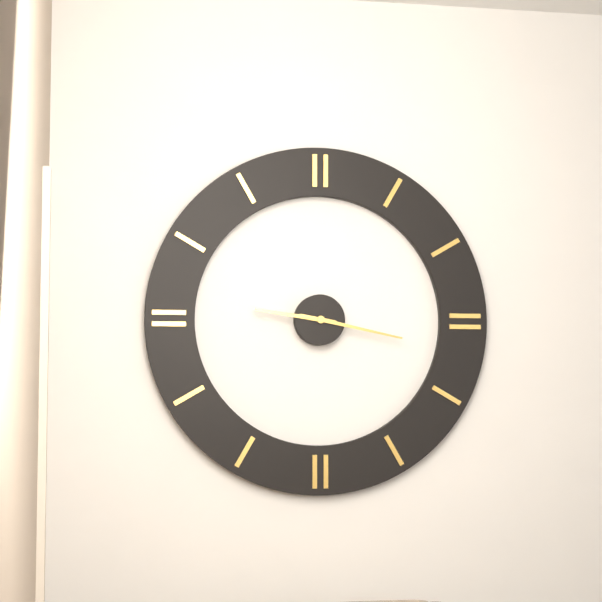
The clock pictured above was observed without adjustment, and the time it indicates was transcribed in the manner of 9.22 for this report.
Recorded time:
9.17
